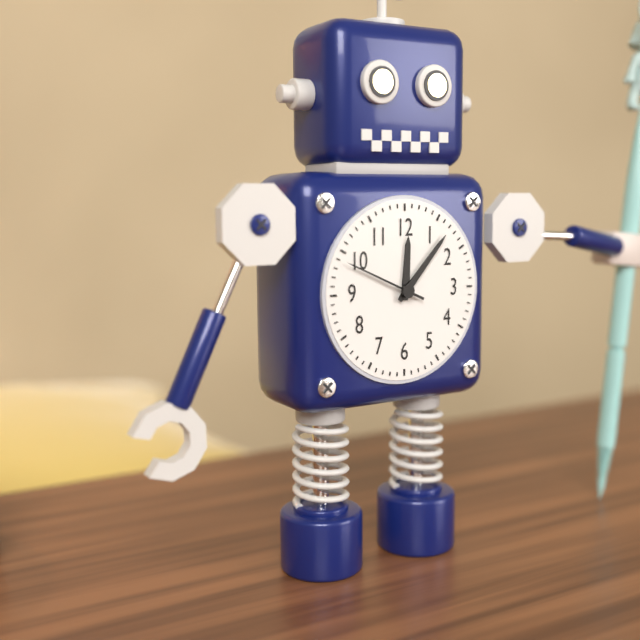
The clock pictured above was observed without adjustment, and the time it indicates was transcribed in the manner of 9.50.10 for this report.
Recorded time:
12.07.49
